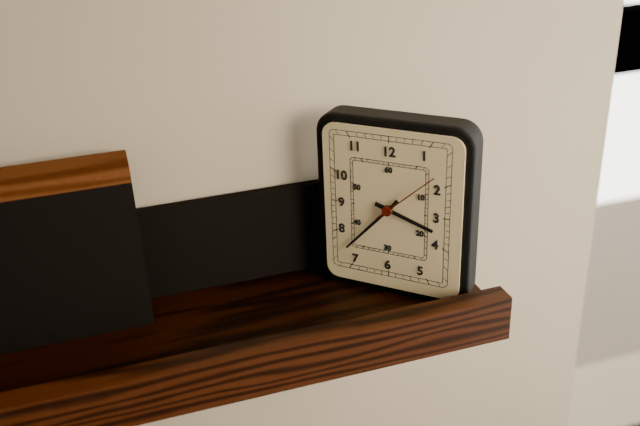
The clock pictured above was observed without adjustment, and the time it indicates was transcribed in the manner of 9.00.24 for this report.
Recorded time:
3.37.08
